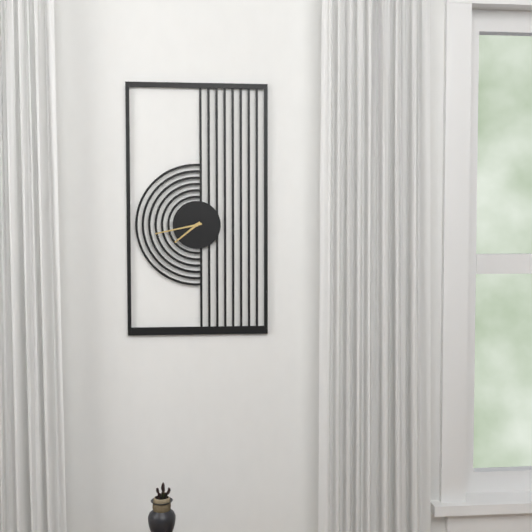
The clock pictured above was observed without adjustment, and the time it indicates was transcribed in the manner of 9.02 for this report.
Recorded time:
7.43
